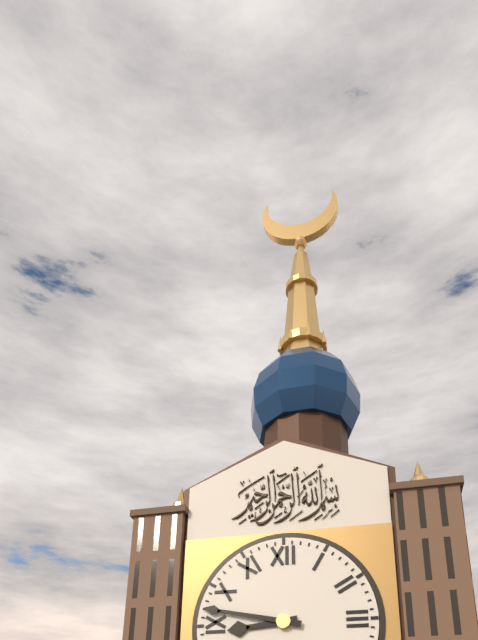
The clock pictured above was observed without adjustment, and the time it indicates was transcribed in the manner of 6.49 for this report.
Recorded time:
8.47
